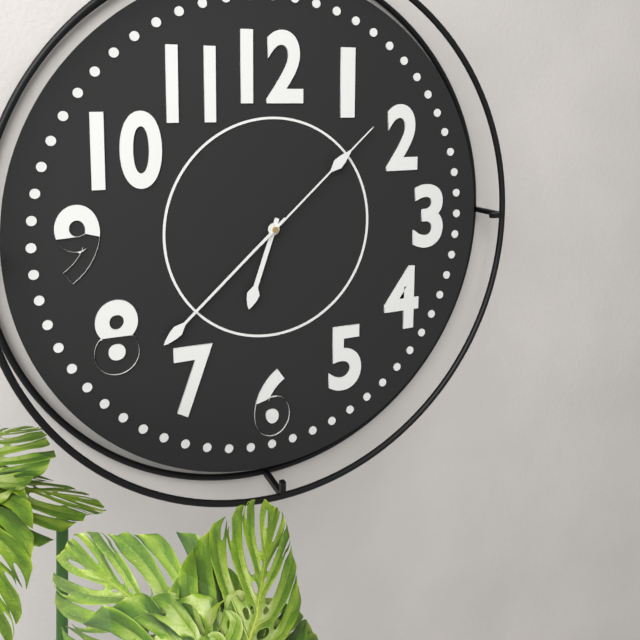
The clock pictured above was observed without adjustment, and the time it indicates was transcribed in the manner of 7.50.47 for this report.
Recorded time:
6.38.08
